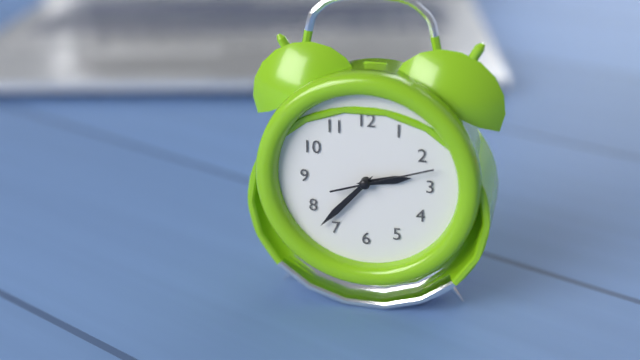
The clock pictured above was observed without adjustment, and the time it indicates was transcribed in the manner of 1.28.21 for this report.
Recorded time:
2.37.12
